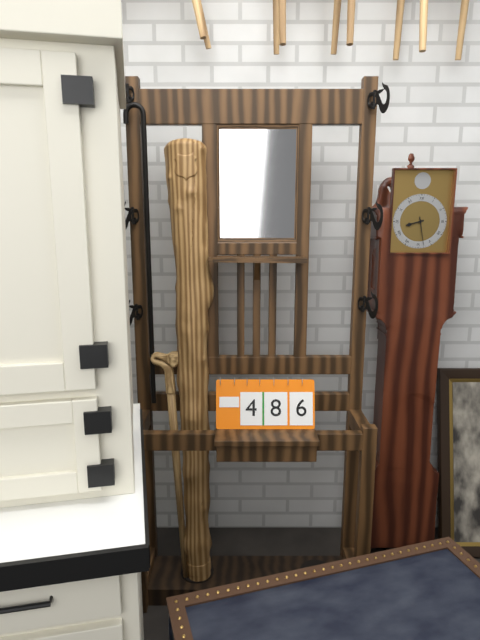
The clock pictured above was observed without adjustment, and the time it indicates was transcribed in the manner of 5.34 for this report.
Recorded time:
8.28
